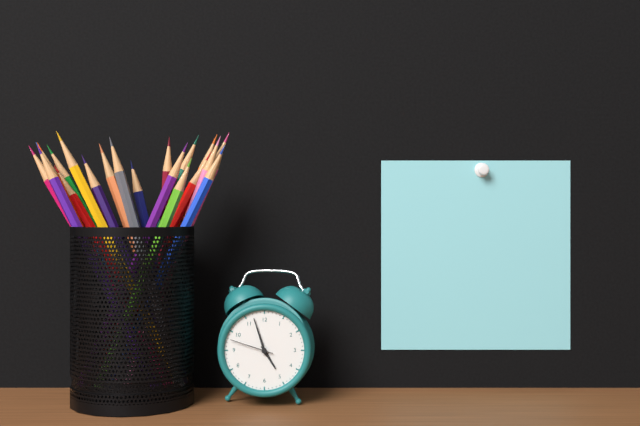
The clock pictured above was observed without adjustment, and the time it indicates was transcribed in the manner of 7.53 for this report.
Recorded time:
4.57
